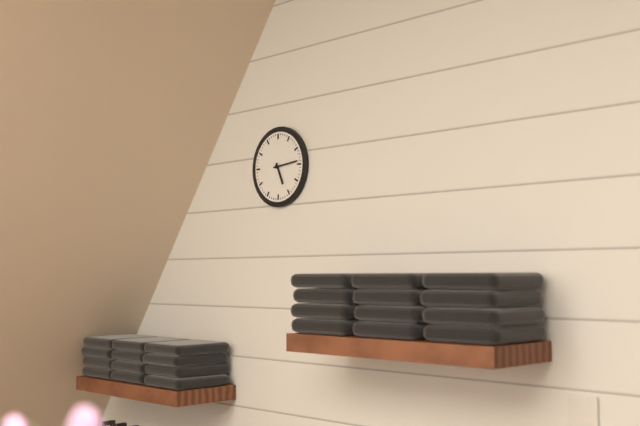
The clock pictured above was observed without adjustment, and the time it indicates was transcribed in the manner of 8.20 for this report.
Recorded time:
5.14
